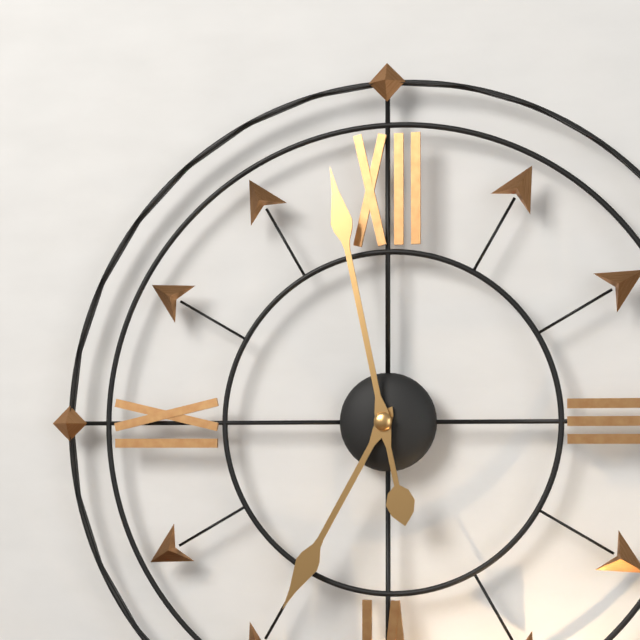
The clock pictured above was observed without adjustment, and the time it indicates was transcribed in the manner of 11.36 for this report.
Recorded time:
6.58
